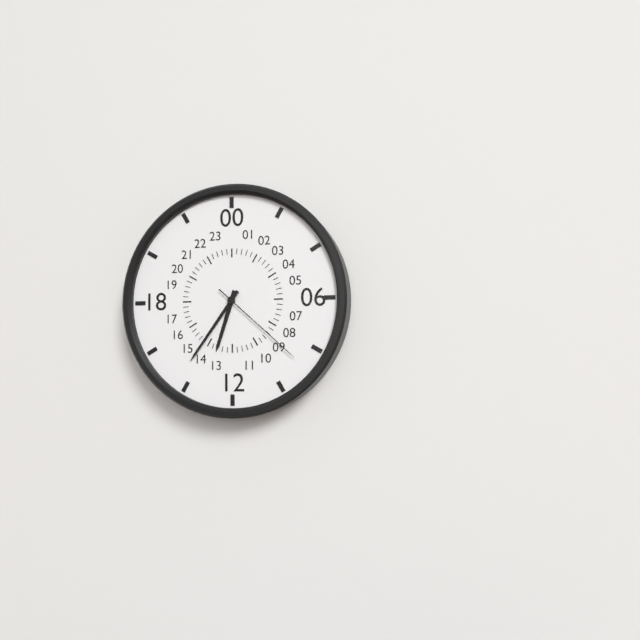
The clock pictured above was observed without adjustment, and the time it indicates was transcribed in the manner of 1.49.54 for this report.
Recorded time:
6.36.22
